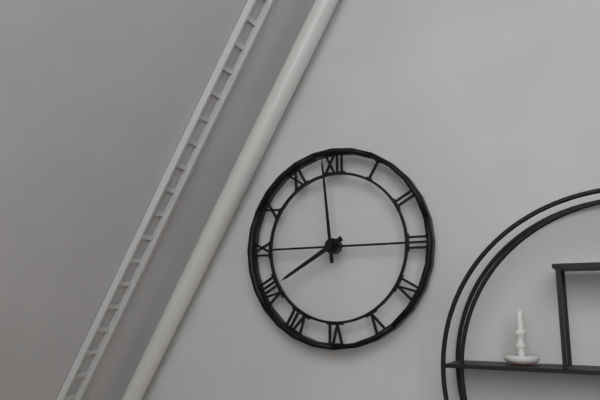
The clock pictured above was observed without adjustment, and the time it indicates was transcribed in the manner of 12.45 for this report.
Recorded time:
7.59
